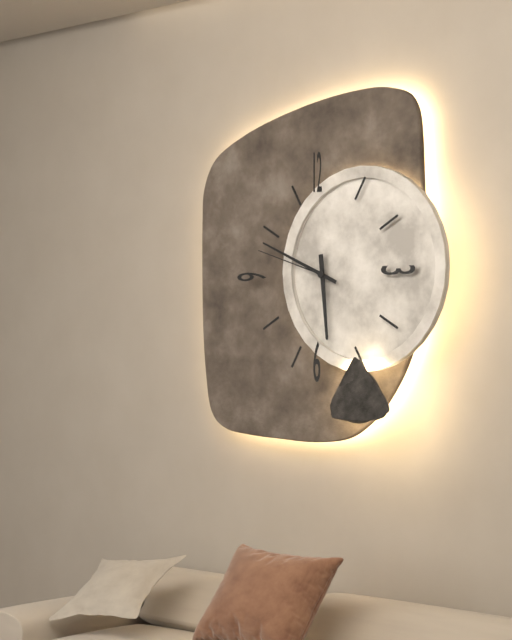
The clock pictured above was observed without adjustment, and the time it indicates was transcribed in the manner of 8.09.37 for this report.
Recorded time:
5.49.48
